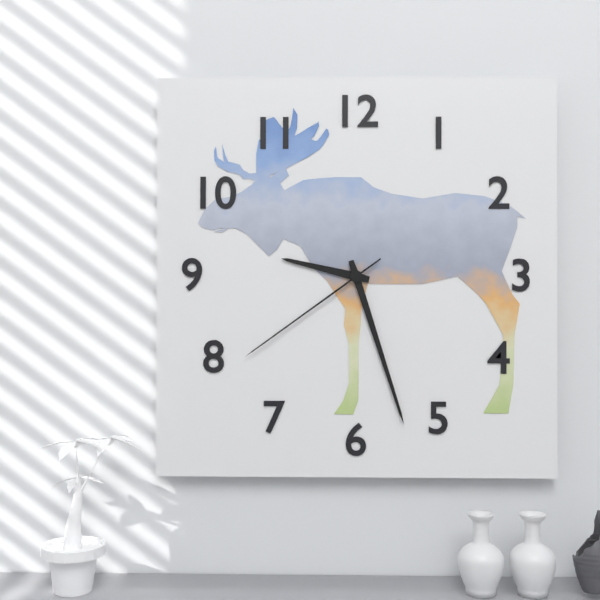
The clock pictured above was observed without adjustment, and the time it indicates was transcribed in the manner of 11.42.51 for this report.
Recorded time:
9.27.39
